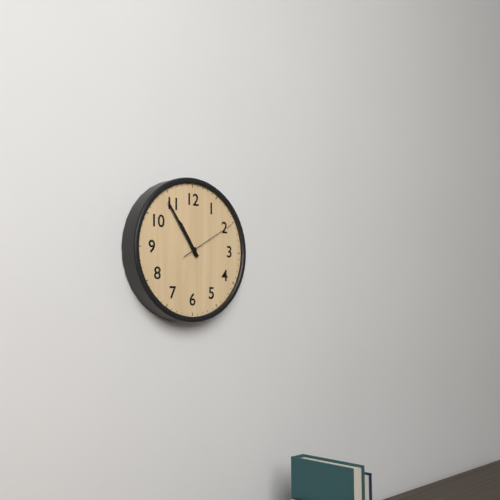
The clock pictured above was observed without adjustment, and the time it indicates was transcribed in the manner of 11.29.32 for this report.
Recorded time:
10.54.10
